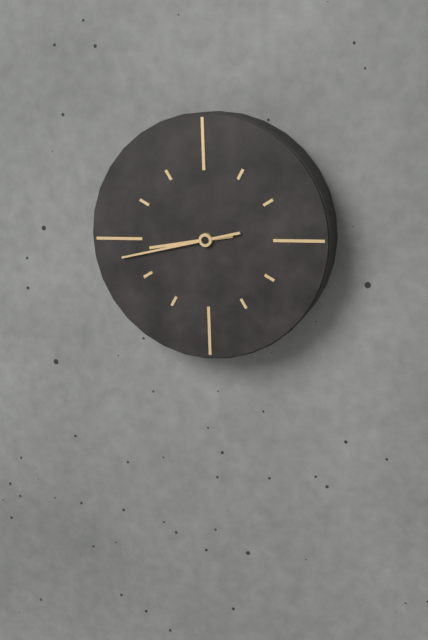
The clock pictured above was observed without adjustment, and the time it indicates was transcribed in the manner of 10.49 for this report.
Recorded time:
8.43
